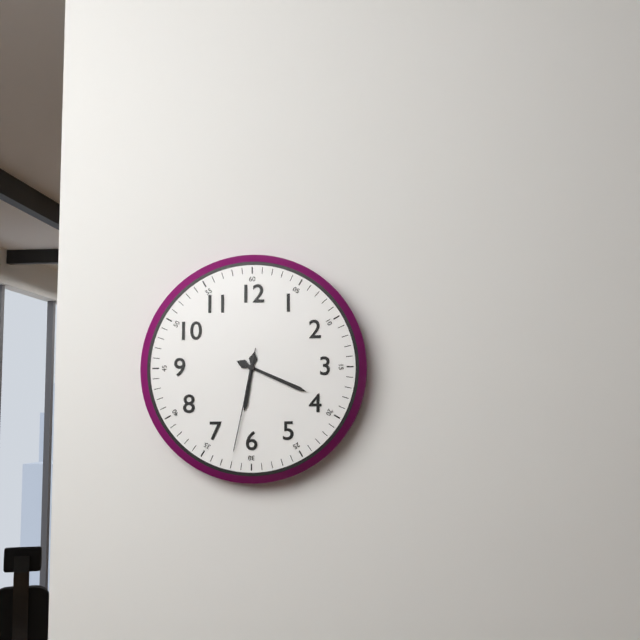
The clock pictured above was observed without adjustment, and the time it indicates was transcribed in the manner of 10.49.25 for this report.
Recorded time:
6.19.32
